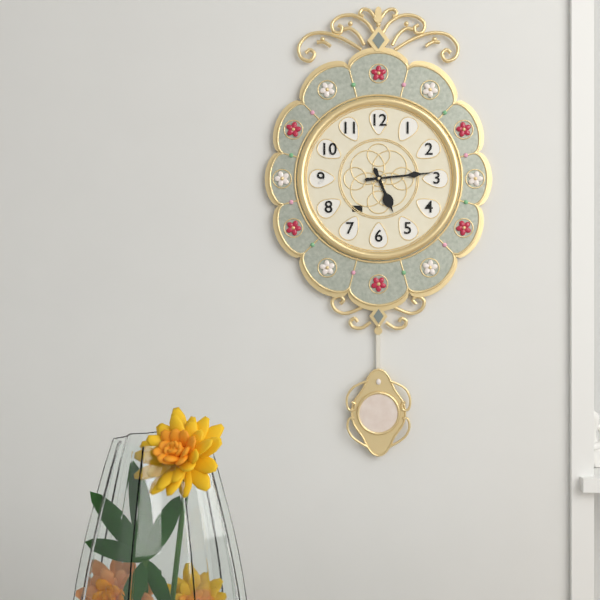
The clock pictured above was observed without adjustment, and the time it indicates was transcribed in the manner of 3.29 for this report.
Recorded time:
5.14
